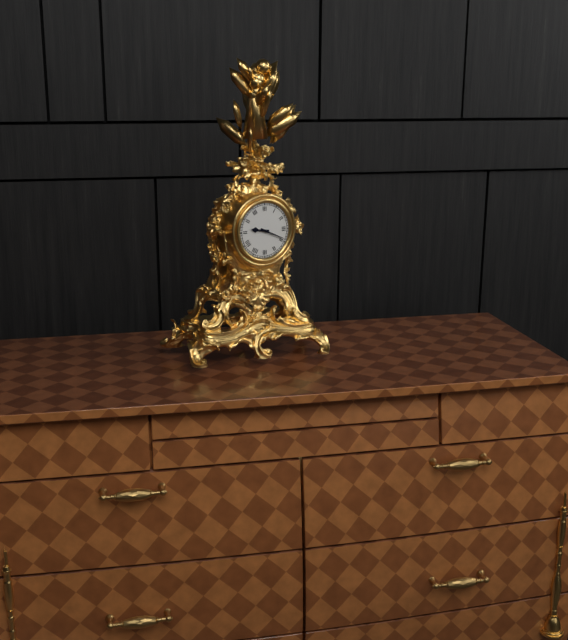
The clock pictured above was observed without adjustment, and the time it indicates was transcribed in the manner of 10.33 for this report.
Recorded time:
9.19
